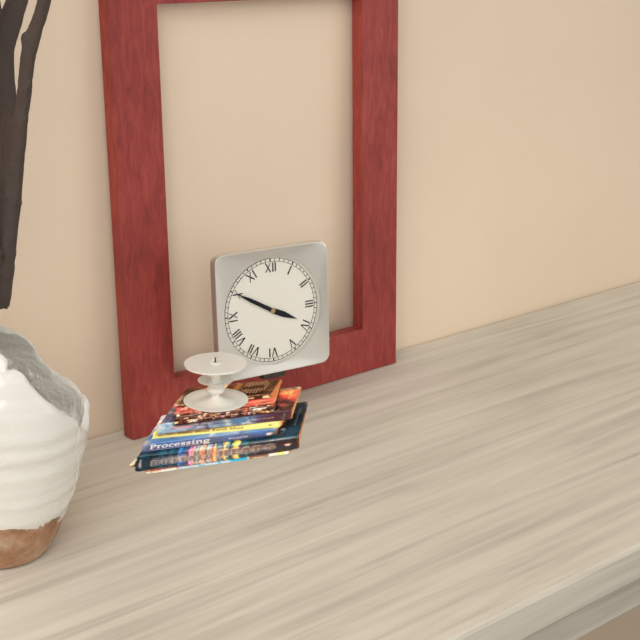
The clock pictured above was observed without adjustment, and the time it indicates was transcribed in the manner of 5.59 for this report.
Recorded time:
3.50
